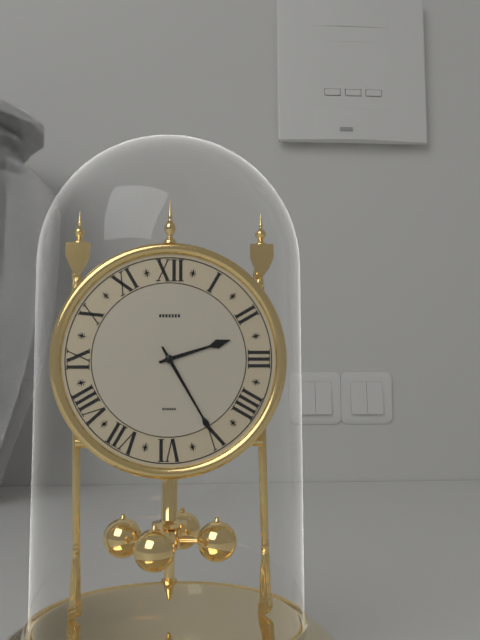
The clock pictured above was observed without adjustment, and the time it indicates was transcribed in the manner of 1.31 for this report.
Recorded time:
2.25
